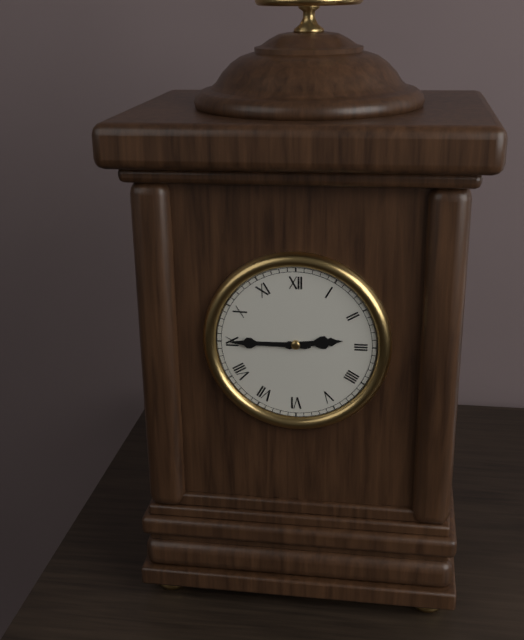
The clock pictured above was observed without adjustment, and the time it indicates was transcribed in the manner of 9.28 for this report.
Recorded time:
2.45
